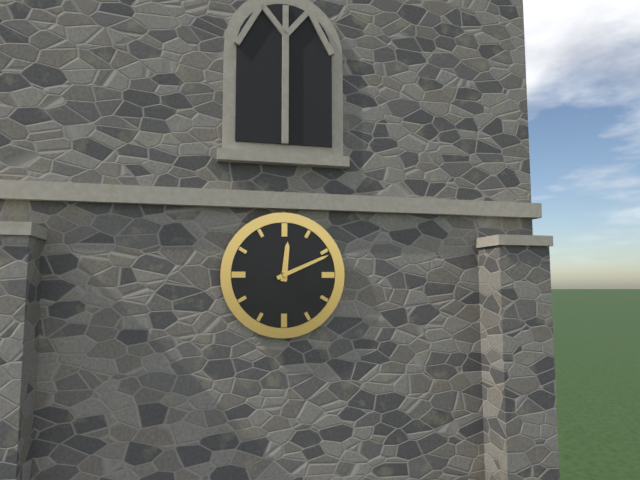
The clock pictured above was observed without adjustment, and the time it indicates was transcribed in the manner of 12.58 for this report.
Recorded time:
12.11
